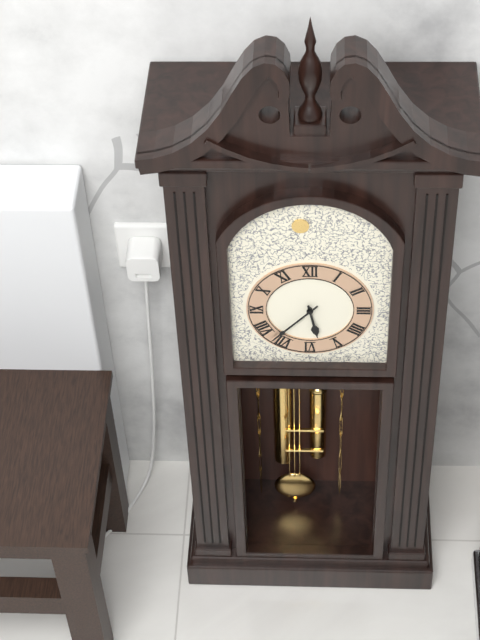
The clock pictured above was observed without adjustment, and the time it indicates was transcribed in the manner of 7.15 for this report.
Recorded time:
5.37
